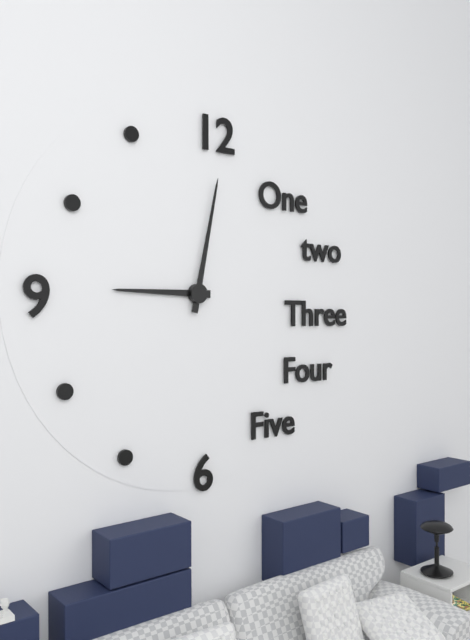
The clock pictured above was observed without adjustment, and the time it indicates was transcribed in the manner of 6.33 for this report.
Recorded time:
9.02
